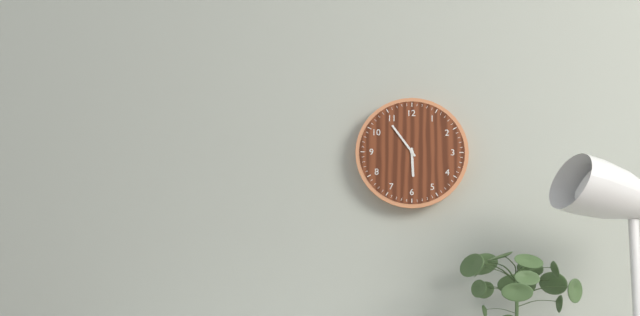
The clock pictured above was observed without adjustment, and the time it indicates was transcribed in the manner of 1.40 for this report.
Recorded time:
5.54
